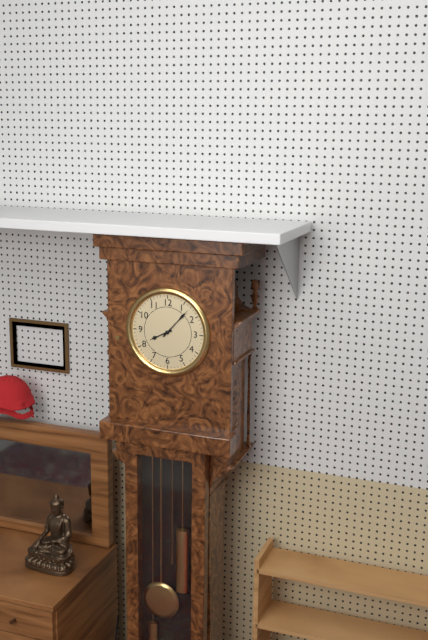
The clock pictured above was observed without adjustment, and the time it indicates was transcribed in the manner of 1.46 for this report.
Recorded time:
8.07
